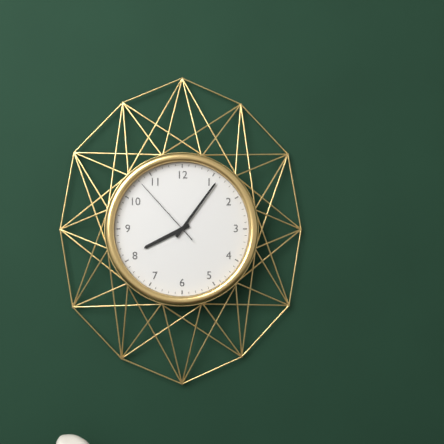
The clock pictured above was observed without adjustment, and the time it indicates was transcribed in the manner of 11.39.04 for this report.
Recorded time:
8.06.53
